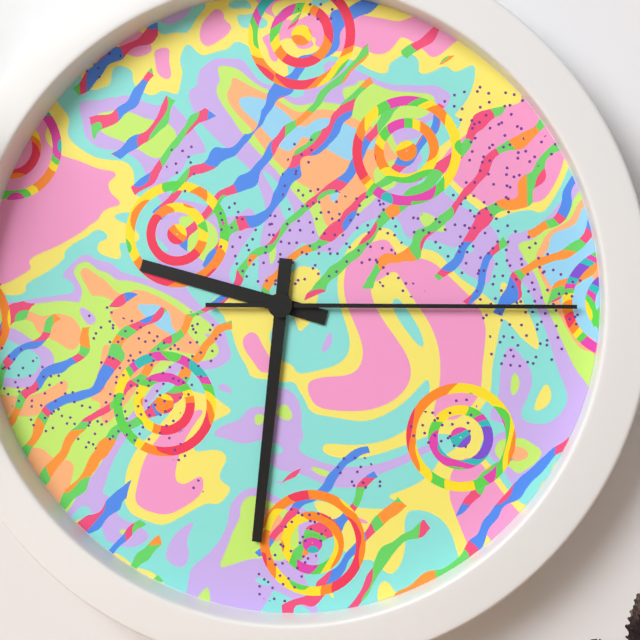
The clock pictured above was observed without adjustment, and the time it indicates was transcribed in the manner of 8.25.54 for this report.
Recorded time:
9.31.15
